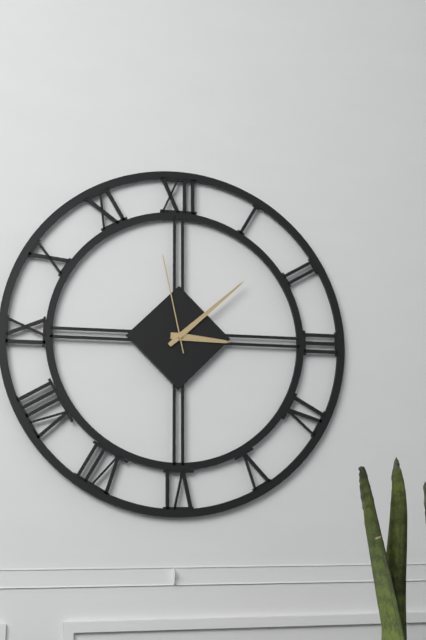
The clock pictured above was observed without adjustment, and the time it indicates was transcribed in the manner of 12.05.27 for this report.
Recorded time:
3.08.58
